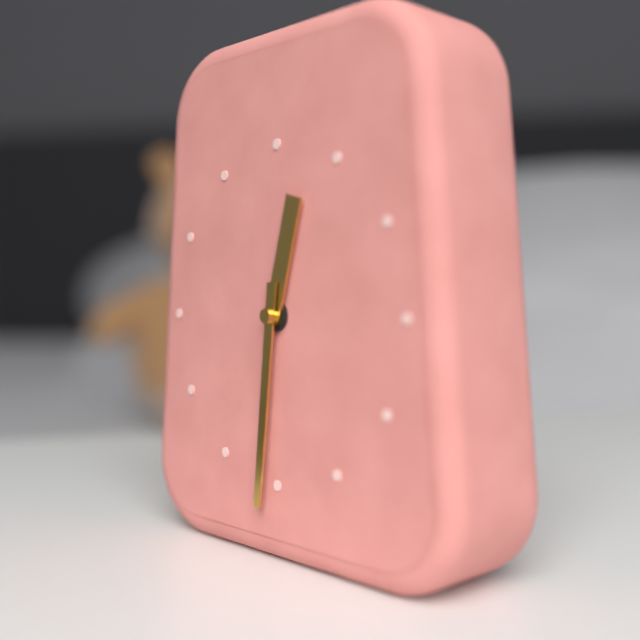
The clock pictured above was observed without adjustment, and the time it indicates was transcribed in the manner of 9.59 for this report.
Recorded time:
12.31
